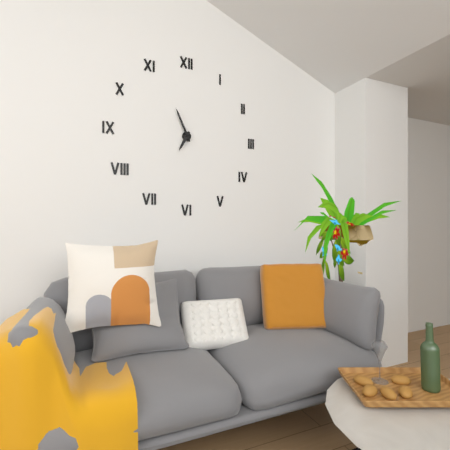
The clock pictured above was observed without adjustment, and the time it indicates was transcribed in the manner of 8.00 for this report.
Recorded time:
6.56
